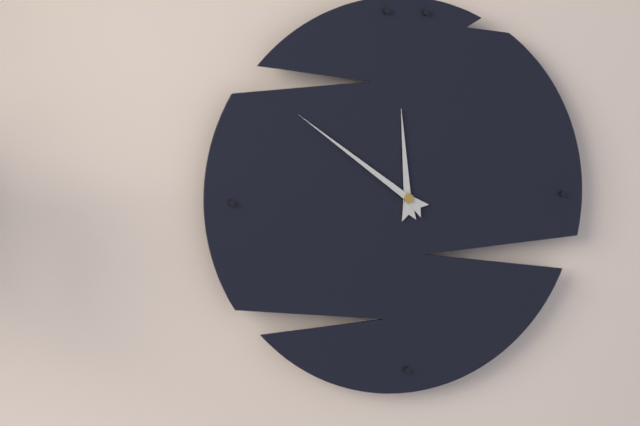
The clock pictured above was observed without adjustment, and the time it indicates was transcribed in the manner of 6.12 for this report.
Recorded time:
11.51
